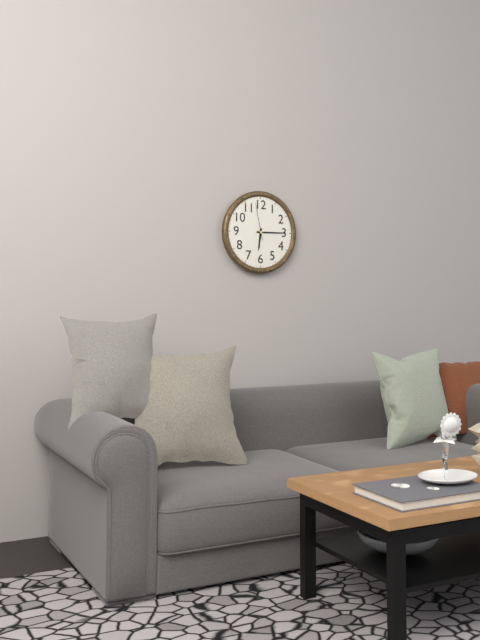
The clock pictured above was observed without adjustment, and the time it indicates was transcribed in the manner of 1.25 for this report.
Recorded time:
6.15
